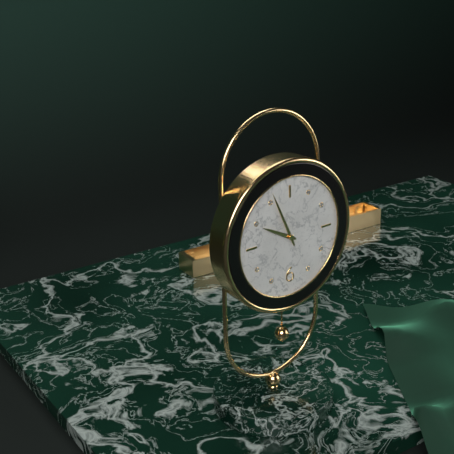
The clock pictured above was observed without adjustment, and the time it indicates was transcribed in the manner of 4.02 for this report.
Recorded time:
9.56
